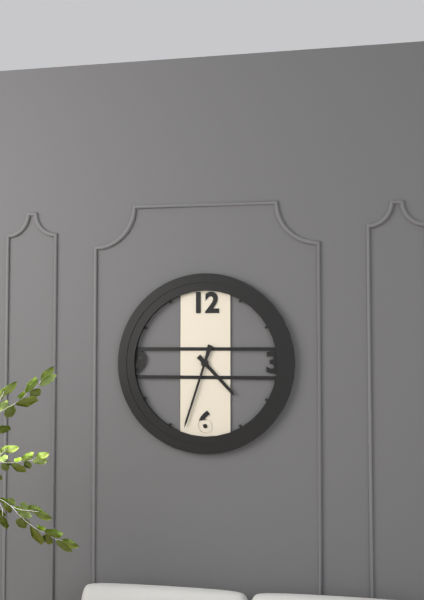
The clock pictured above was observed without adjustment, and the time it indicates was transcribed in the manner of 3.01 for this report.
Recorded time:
4.33
